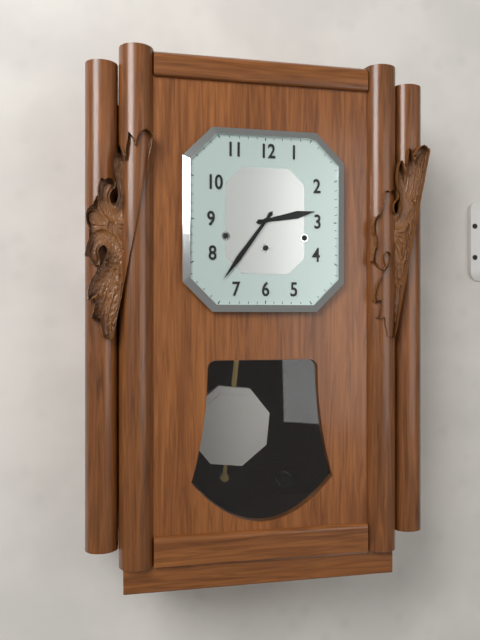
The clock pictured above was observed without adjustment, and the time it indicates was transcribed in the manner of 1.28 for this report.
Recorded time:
2.36
